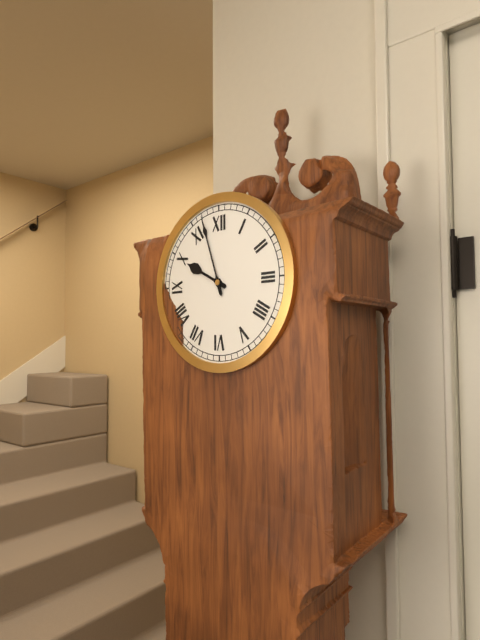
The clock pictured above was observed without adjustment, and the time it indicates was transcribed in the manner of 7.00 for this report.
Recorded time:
9.57
